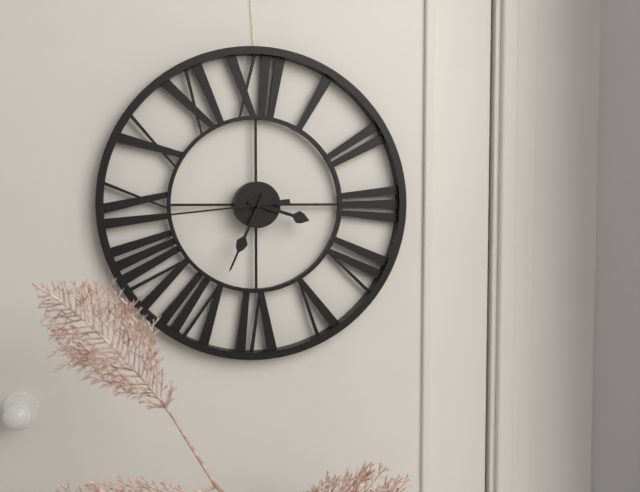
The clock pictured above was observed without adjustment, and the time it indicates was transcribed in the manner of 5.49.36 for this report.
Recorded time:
3.34.44
